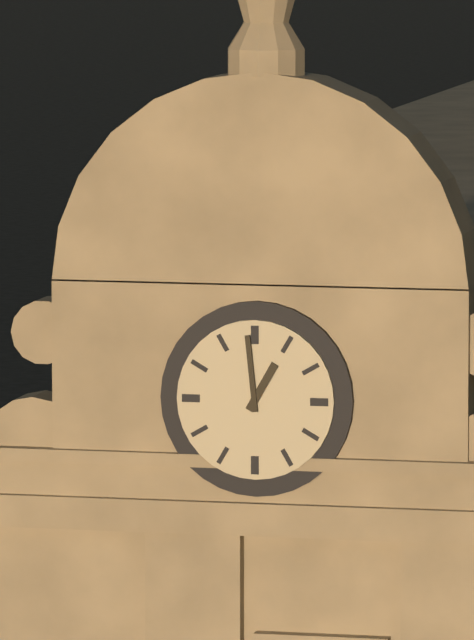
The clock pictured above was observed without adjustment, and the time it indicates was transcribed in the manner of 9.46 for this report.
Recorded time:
12.59
